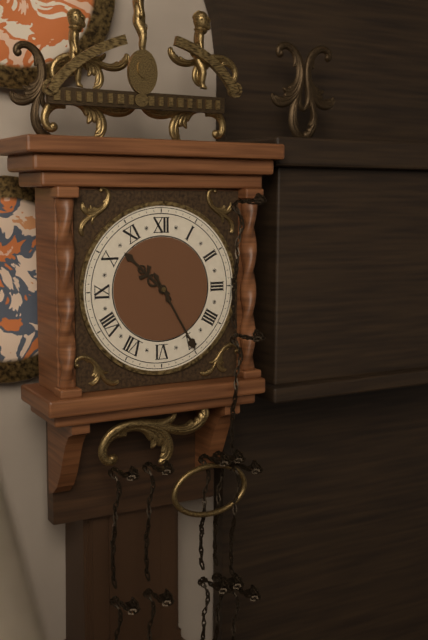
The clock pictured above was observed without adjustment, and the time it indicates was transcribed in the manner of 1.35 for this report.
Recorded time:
10.25
